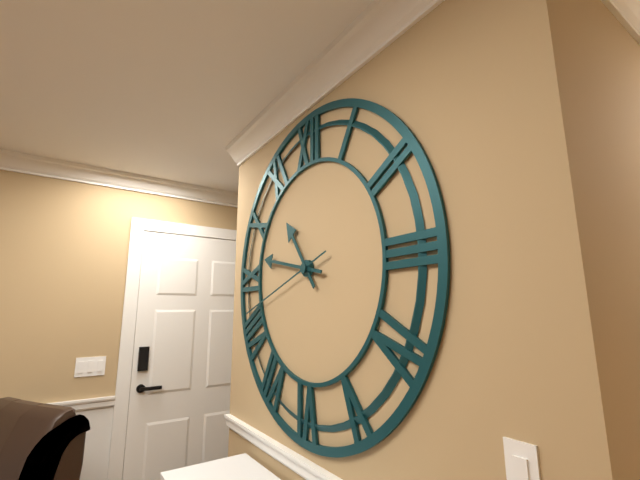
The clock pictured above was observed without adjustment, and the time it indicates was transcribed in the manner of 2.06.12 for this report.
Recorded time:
10.47.42
